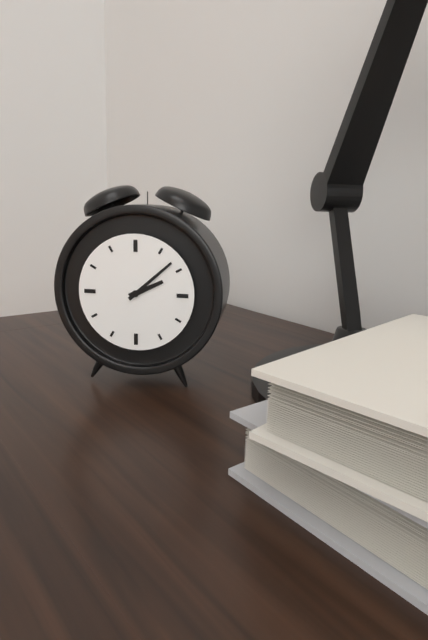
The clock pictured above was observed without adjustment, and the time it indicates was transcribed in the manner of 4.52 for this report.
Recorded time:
2.08
